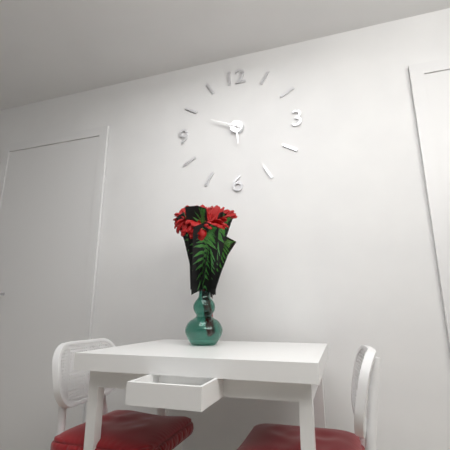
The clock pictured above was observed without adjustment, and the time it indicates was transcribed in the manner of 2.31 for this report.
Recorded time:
5.49
